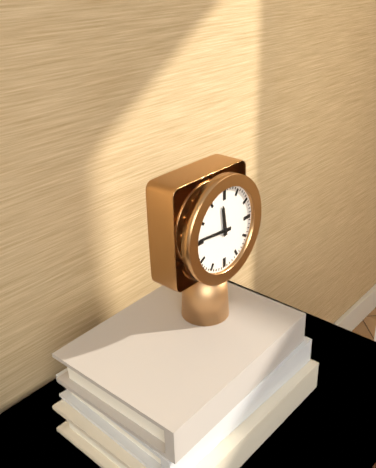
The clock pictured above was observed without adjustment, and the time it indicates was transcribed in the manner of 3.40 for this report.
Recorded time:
11.46
